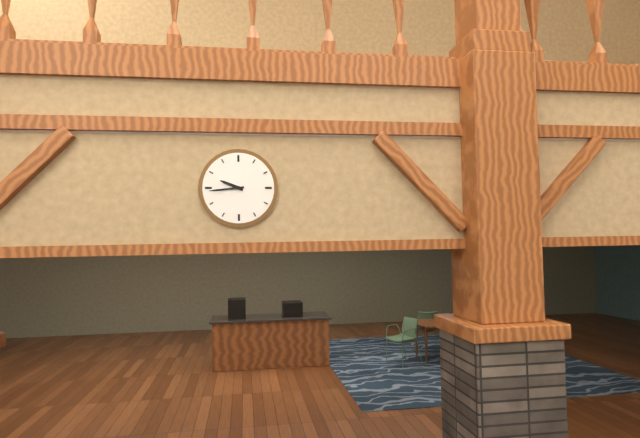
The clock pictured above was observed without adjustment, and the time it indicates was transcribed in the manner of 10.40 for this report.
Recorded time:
9.44
